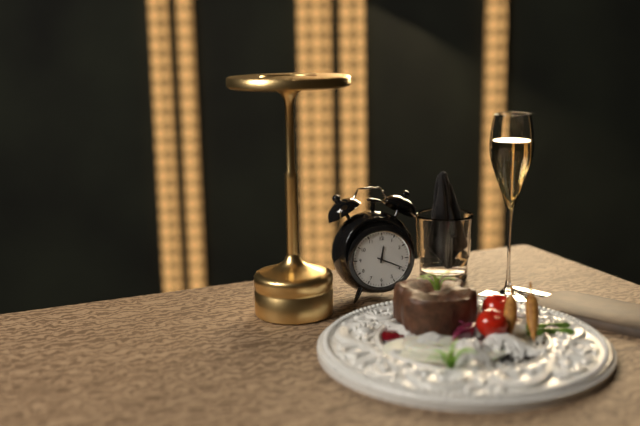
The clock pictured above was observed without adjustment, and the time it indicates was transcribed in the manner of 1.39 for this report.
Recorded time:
12.19
